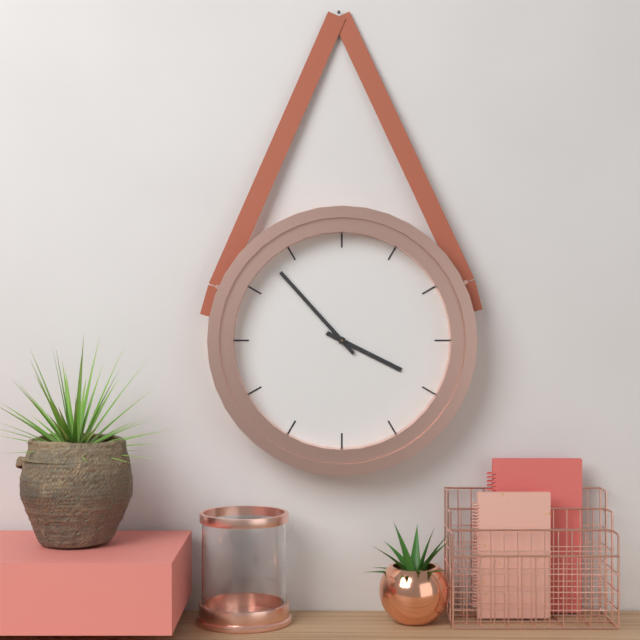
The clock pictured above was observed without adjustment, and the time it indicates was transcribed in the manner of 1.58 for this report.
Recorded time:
3.53
